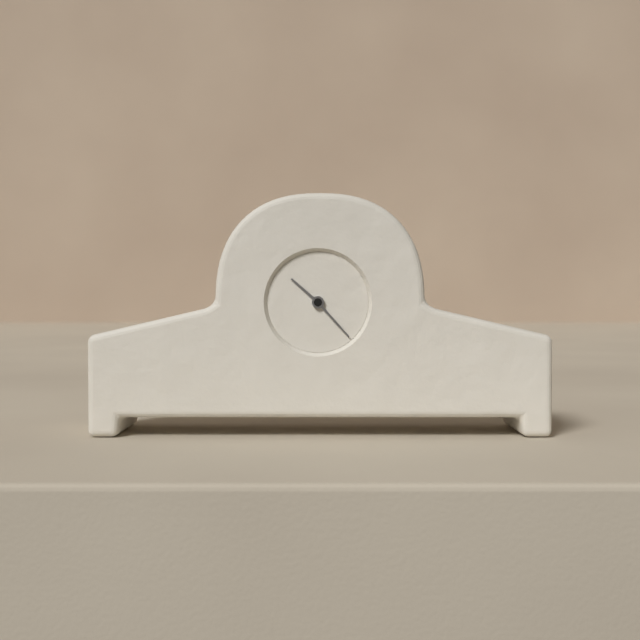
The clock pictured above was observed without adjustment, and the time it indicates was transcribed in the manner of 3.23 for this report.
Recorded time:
10.23
